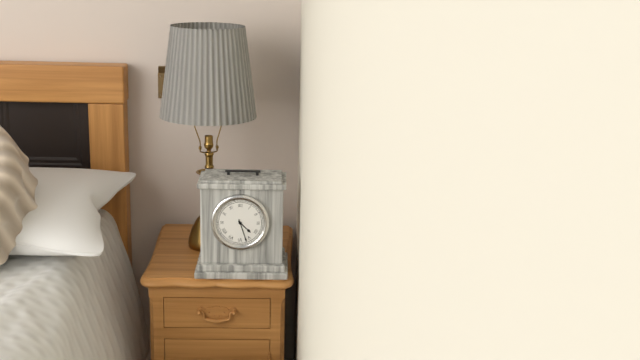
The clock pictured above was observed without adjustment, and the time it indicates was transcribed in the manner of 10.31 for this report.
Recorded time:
4.27
